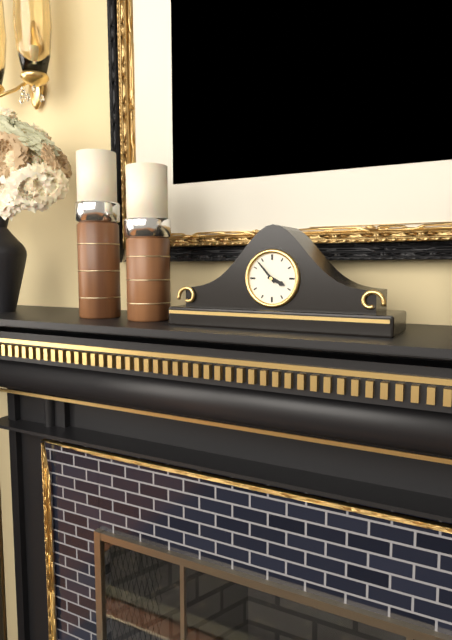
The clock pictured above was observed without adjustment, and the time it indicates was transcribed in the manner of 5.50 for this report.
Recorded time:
3.53
